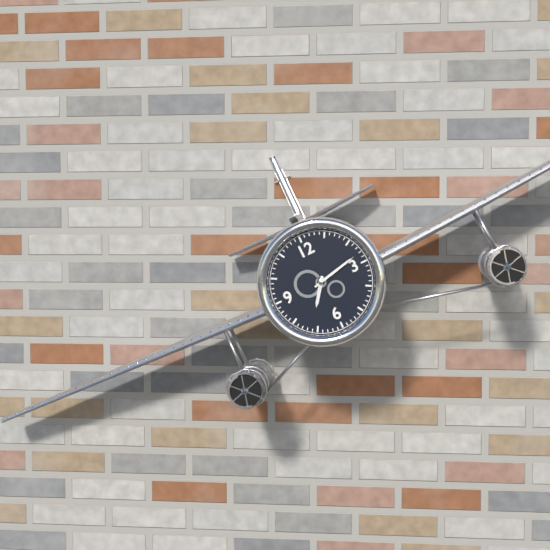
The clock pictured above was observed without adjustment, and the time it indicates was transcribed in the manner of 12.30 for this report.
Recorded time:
7.13
